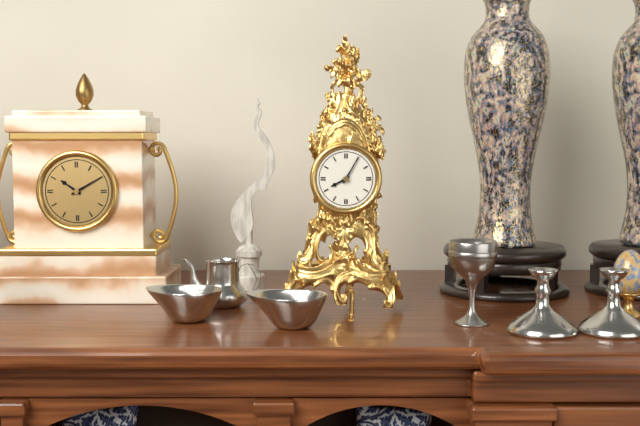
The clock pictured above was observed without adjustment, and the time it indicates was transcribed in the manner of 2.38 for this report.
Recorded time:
8.05
